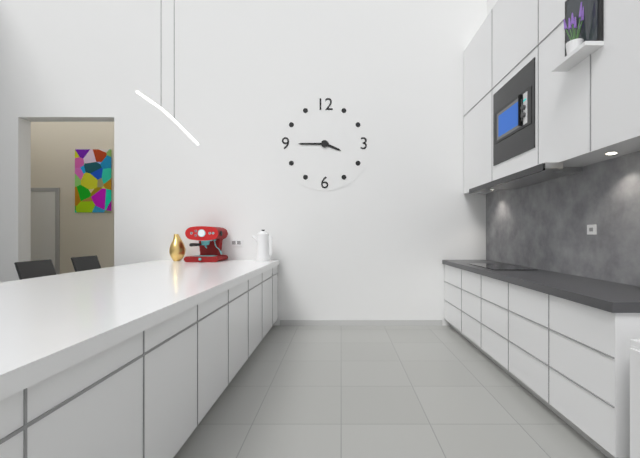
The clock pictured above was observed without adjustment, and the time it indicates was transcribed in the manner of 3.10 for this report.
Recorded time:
3.45
